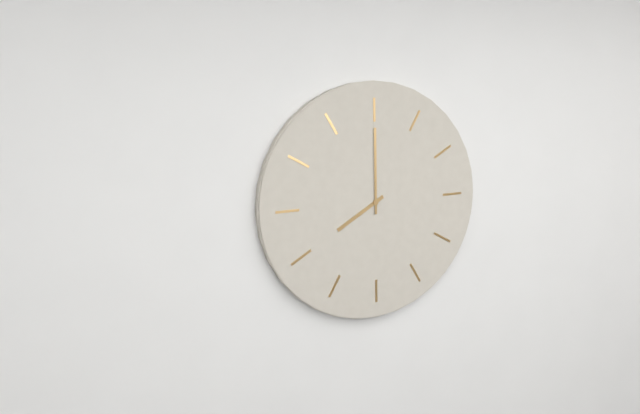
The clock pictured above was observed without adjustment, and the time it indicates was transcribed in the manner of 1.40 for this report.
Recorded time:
8.00
